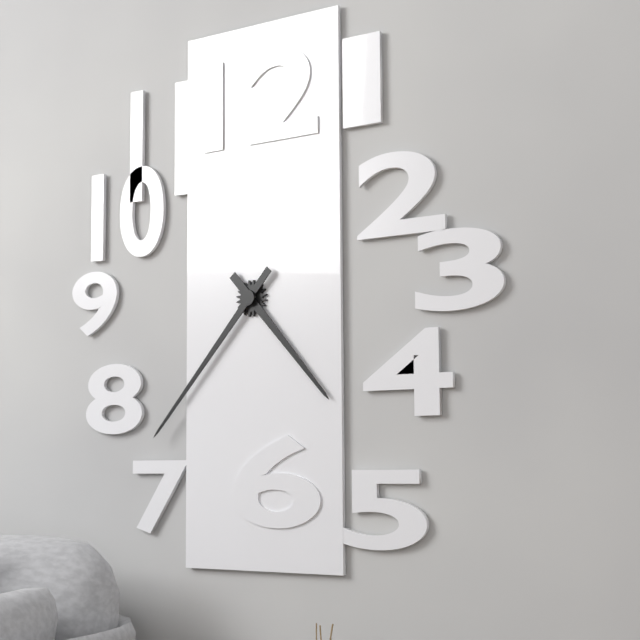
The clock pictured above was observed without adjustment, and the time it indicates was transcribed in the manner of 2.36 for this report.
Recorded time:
4.37
